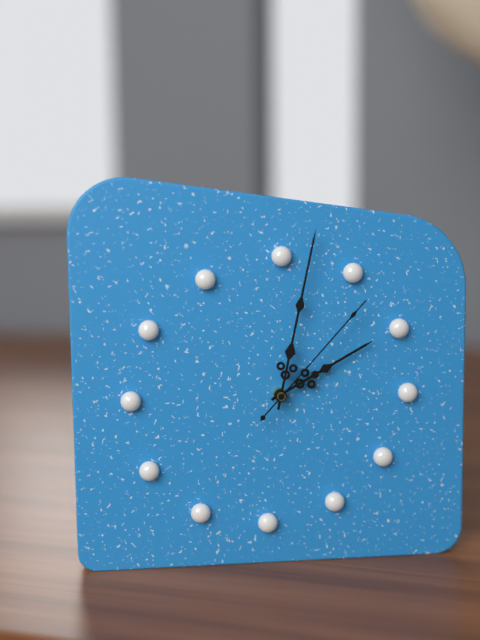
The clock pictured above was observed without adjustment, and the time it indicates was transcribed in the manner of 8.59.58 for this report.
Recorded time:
2.02.07
